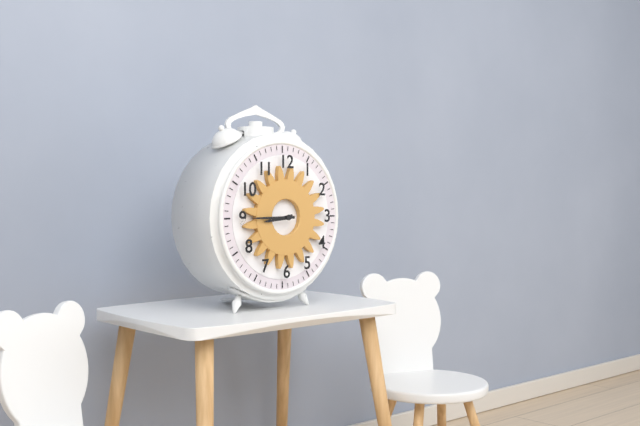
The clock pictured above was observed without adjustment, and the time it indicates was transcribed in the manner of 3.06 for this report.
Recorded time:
8.45
